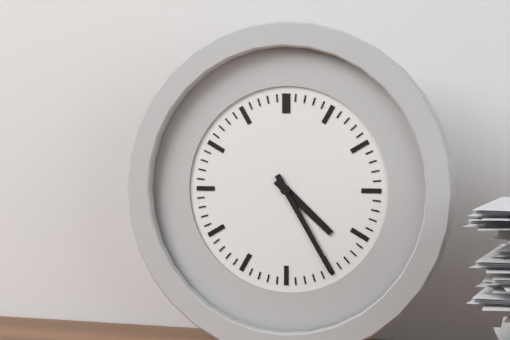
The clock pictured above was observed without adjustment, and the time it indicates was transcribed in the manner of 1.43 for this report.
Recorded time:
4.25
